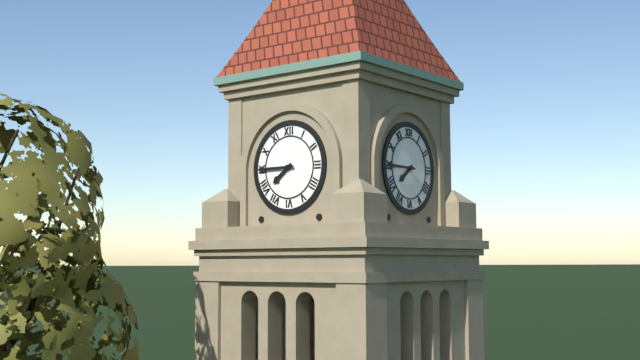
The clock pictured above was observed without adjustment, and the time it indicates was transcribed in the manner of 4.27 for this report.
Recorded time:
7.45
